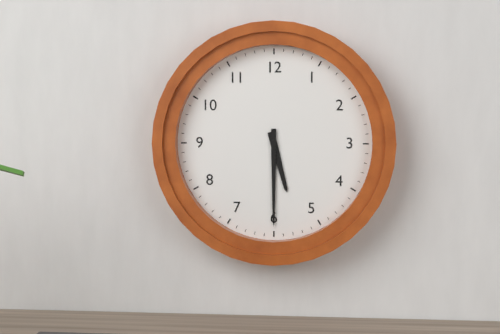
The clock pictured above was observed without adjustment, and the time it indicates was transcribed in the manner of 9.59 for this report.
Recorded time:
5.30
